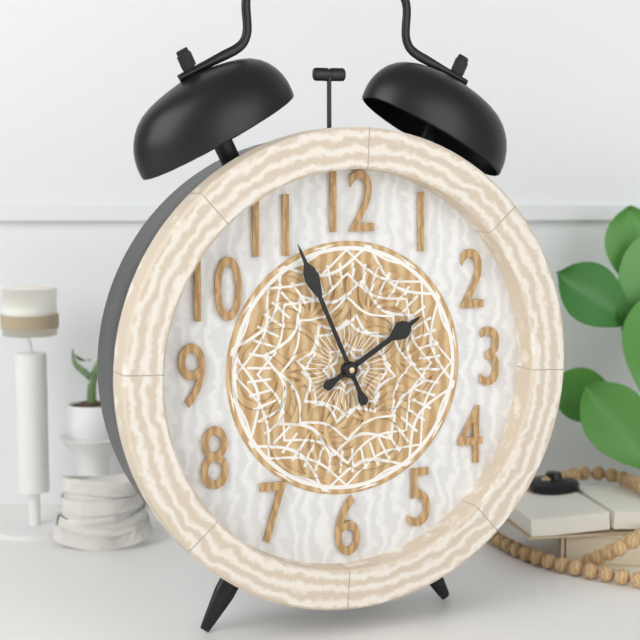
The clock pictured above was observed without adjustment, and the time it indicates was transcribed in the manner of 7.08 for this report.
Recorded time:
1.56
